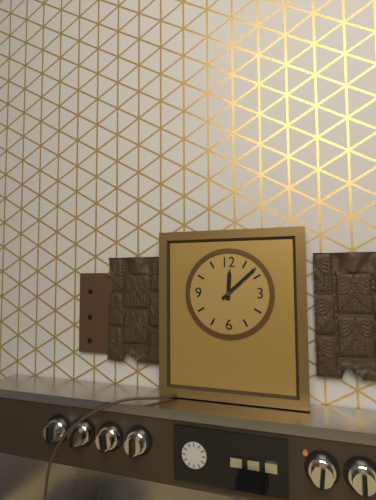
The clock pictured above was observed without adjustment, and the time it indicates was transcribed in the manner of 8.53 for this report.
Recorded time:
12.08
